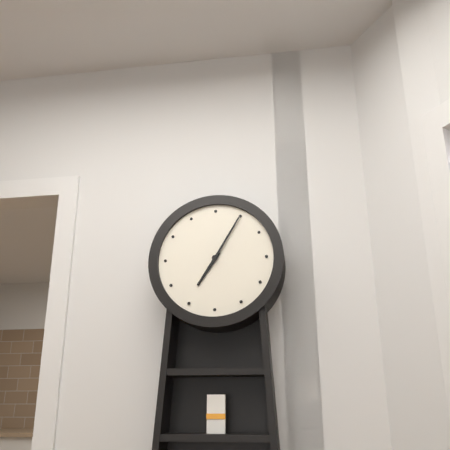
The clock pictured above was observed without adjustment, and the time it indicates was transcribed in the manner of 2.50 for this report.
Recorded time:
7.05
